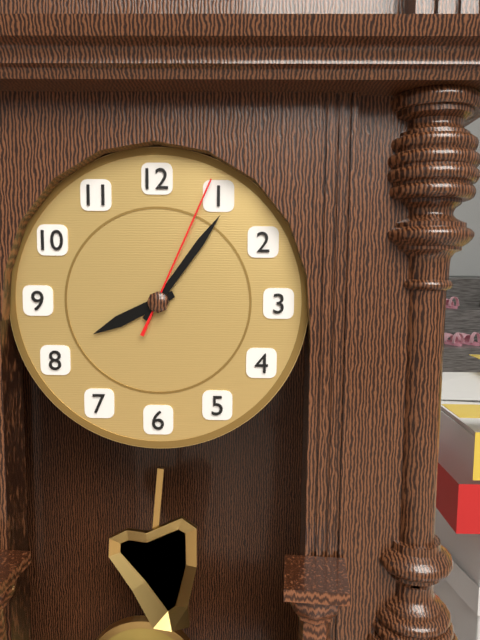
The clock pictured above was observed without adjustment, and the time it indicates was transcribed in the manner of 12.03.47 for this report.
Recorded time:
8.06.04
